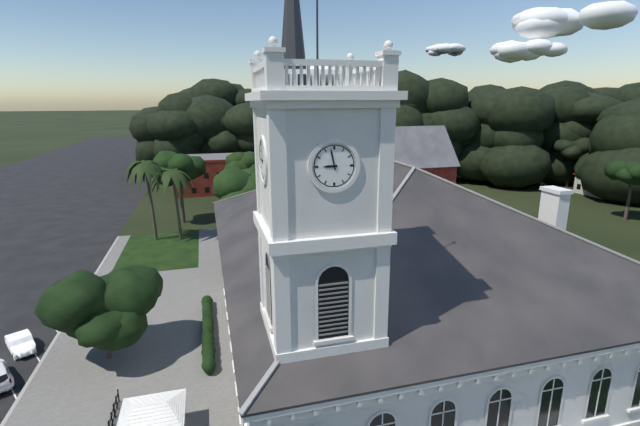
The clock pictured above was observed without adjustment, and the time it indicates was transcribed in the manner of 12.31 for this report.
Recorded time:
8.58
